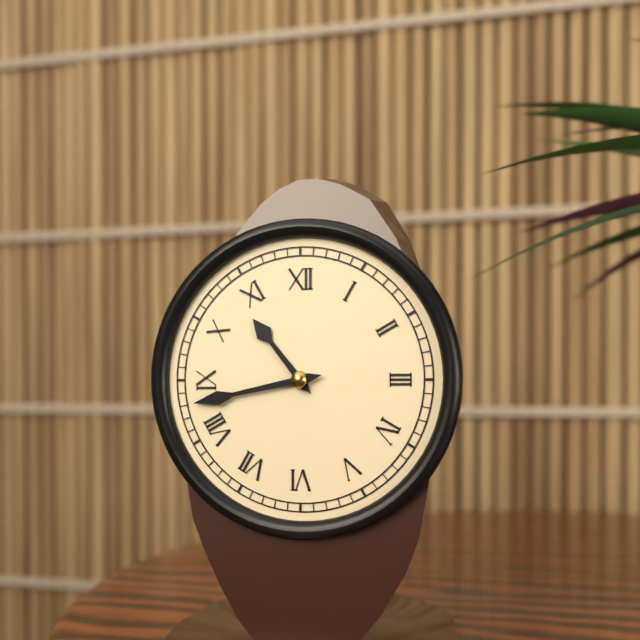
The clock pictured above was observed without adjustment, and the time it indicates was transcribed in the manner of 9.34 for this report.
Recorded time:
10.43
